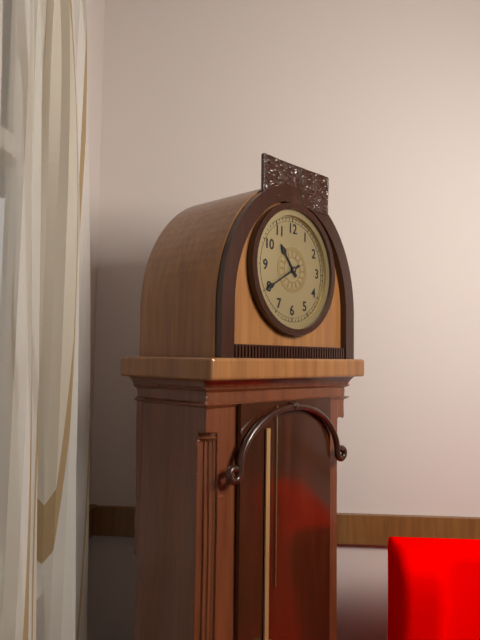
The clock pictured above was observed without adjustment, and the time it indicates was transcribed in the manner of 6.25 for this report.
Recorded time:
10.40
